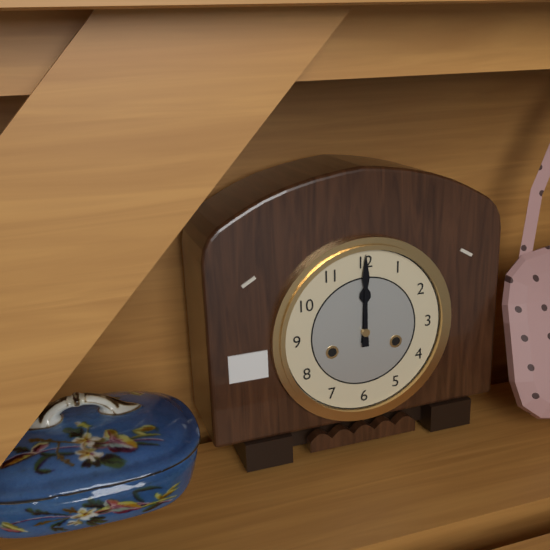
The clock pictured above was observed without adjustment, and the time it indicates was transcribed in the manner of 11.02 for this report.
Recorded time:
12.00
